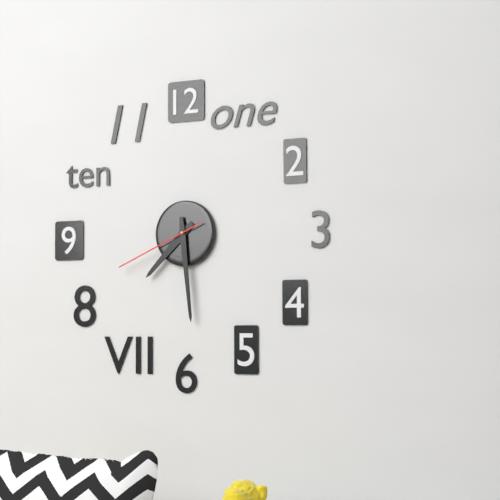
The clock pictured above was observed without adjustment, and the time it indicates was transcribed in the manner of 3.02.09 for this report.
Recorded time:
7.29.41
